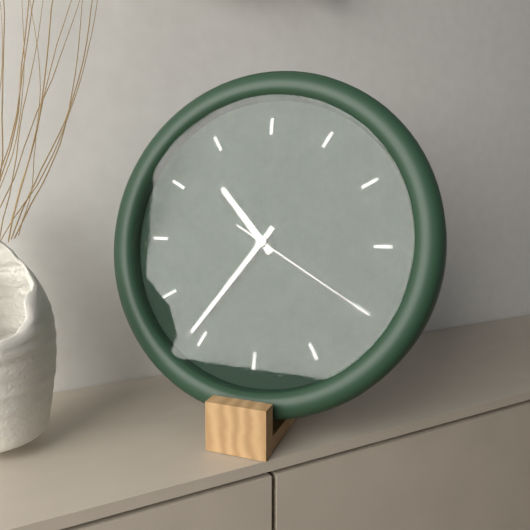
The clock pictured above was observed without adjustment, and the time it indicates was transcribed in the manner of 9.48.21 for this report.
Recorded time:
10.36.20
